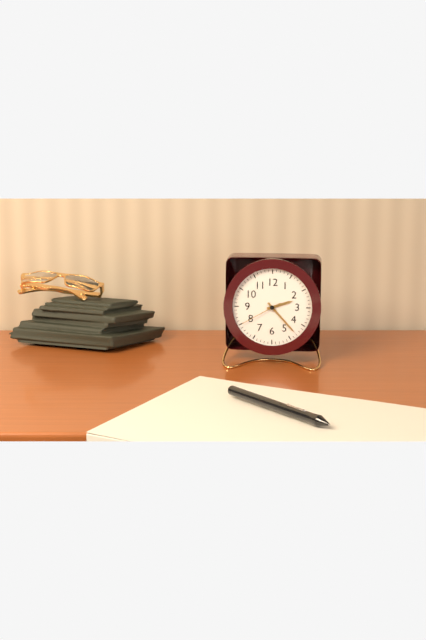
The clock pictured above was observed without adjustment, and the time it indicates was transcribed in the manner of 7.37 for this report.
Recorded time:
2.23
